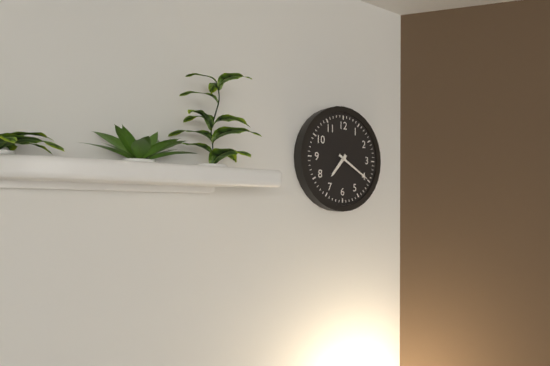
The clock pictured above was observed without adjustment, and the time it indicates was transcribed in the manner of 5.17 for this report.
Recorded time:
7.20
